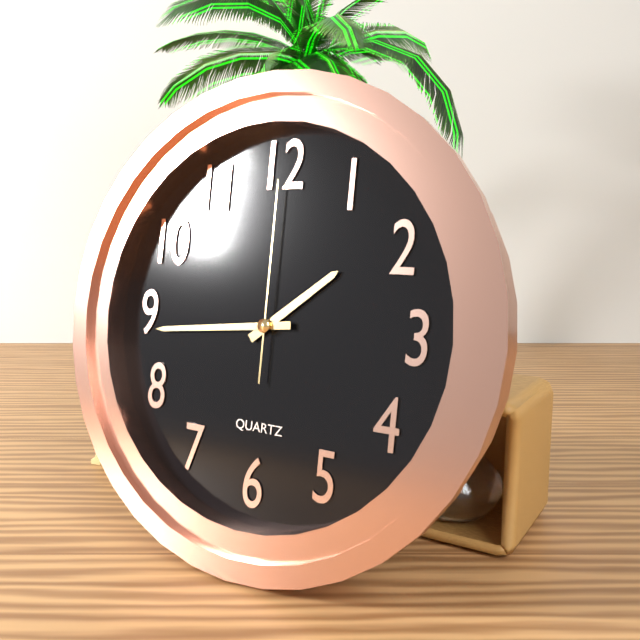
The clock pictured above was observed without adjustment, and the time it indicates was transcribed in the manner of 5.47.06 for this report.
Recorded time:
1.44.00
